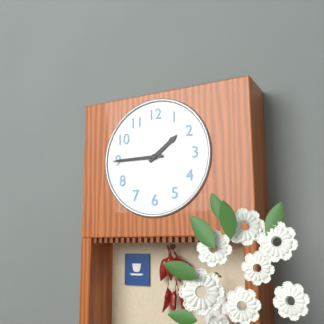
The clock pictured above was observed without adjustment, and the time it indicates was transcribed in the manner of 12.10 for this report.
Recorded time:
1.45
